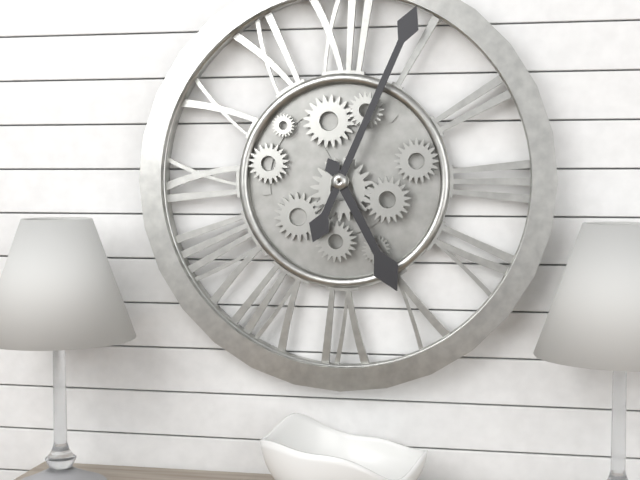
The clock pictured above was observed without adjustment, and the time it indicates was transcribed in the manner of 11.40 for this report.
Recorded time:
5.04
